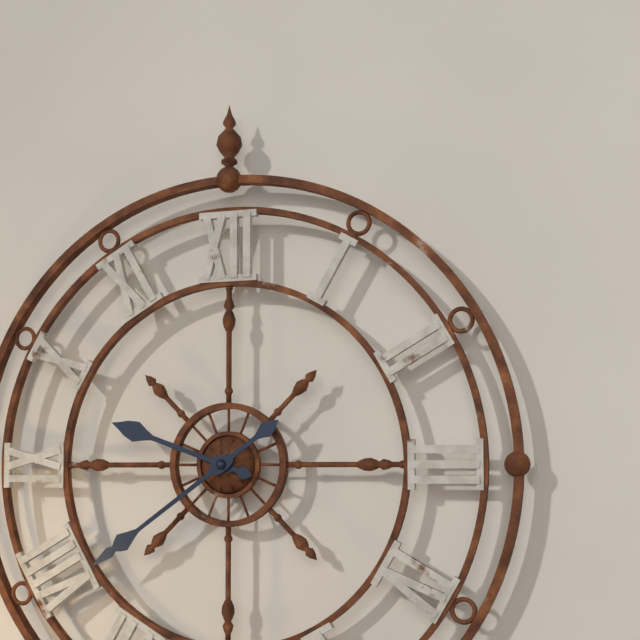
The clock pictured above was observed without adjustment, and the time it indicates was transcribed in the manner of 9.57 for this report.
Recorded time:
9.39
